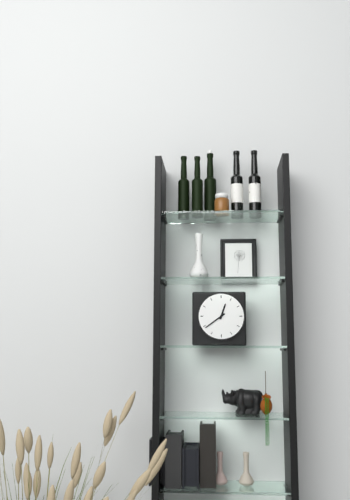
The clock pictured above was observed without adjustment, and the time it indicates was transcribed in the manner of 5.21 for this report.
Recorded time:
12.39
